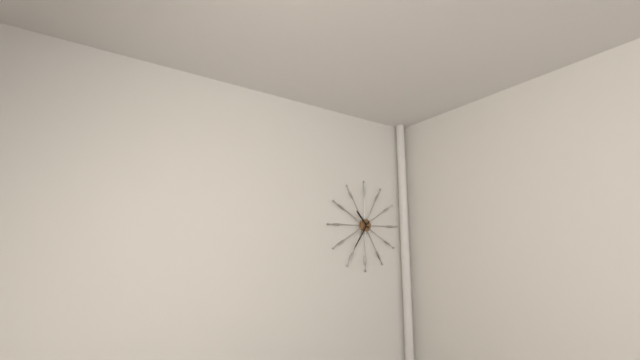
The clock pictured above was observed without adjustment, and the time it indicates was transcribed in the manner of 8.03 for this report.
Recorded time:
10.36
